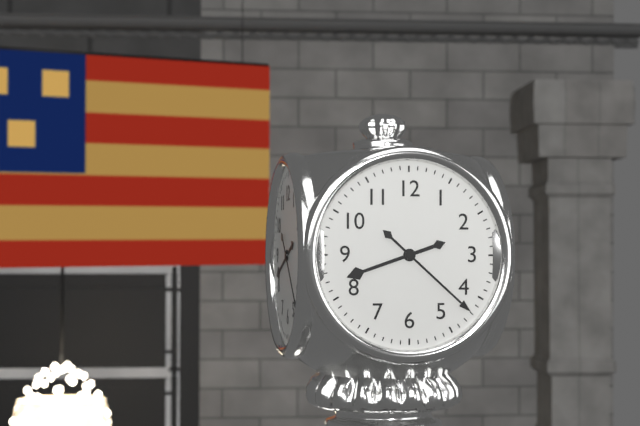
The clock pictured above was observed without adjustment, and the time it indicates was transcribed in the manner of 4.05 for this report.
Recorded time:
8.22
